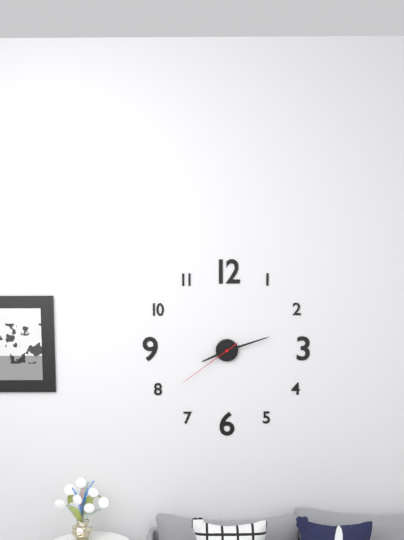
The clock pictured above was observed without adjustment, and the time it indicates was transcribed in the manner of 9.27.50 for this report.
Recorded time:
8.12.39
